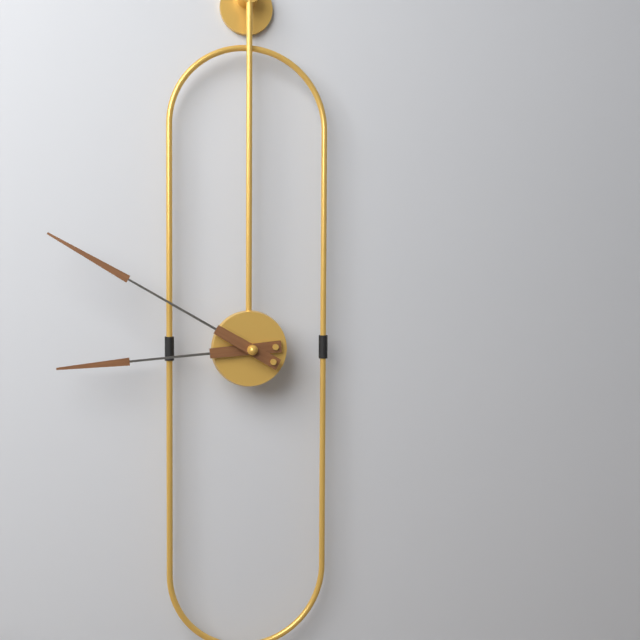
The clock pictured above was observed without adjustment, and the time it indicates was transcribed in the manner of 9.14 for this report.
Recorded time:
8.50
